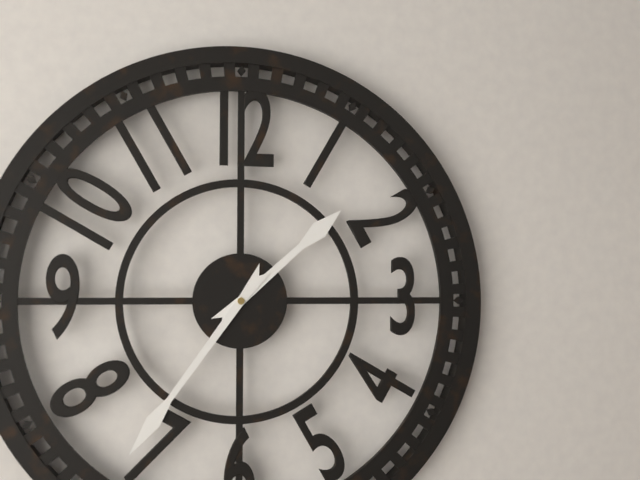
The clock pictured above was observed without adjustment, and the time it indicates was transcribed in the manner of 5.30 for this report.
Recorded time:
1.36
